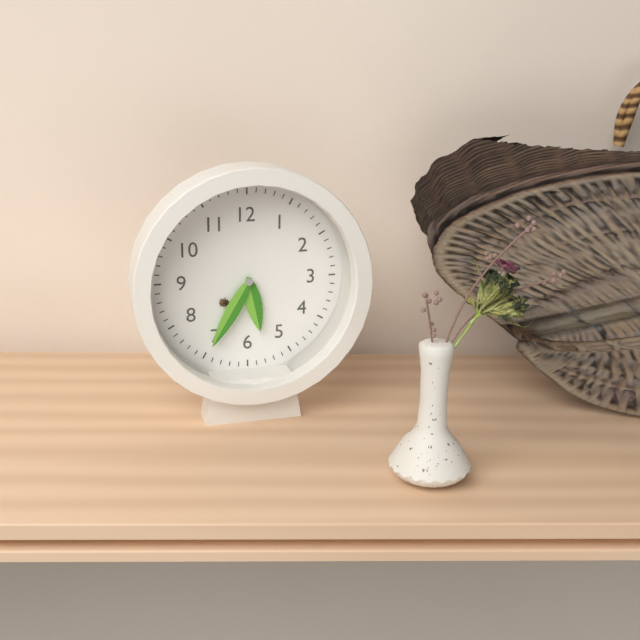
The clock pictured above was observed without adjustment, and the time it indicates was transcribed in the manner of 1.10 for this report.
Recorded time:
5.35
